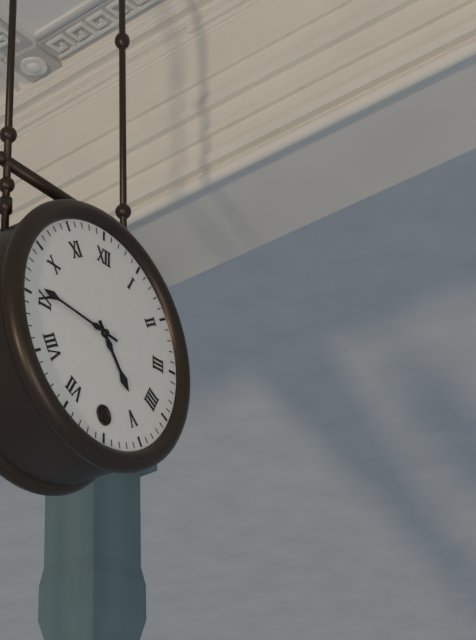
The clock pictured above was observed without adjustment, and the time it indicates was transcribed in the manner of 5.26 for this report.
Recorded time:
4.46
